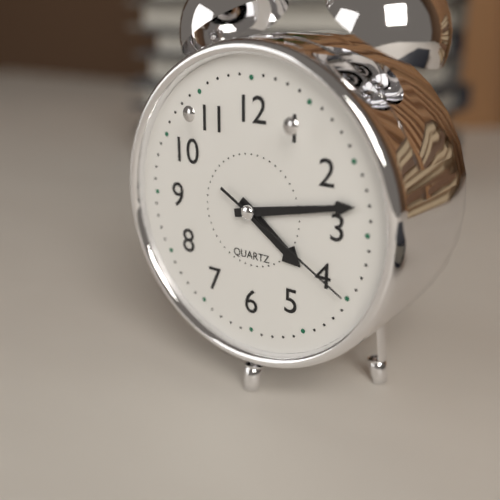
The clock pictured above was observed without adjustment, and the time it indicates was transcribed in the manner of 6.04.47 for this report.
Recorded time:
4.13.20
